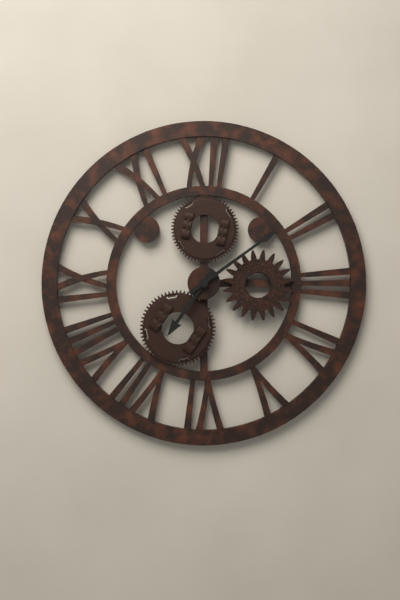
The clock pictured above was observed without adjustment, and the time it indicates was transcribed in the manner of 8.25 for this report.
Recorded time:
7.09
